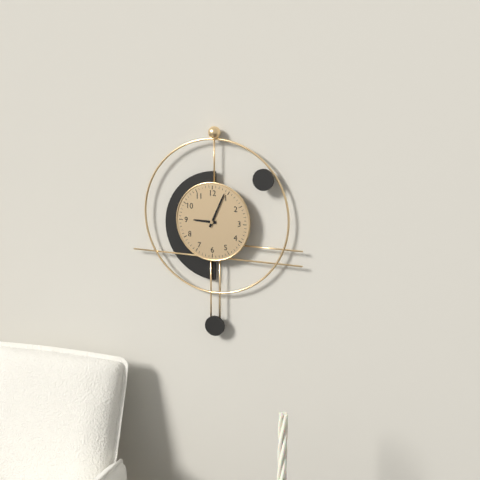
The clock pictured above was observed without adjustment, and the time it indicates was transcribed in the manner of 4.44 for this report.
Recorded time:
9.04
